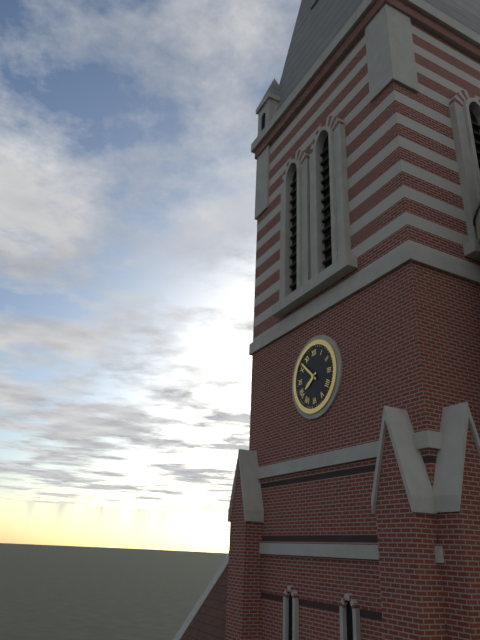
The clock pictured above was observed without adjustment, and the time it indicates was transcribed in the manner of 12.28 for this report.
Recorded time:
7.52
